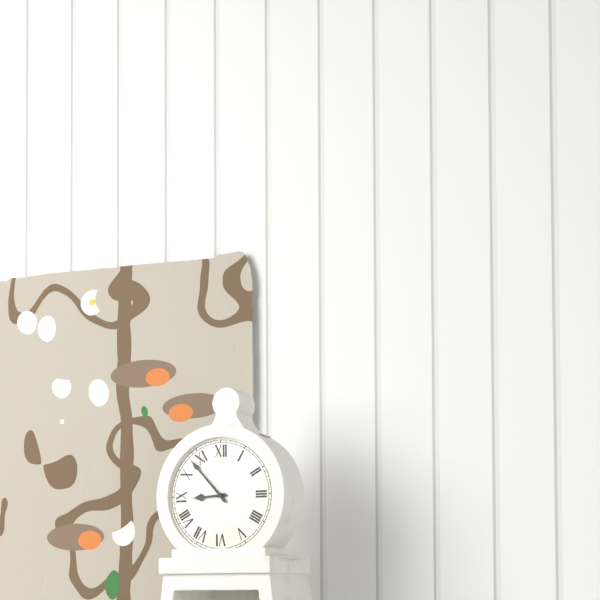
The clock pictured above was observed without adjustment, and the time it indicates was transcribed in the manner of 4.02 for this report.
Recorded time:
8.53
